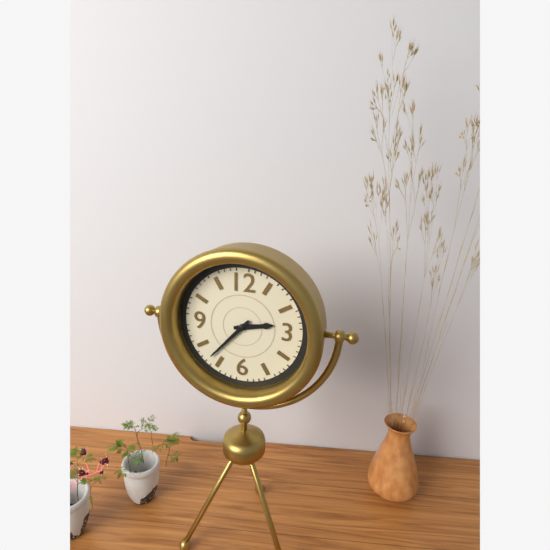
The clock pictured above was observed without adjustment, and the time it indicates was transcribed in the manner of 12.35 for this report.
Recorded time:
2.37
